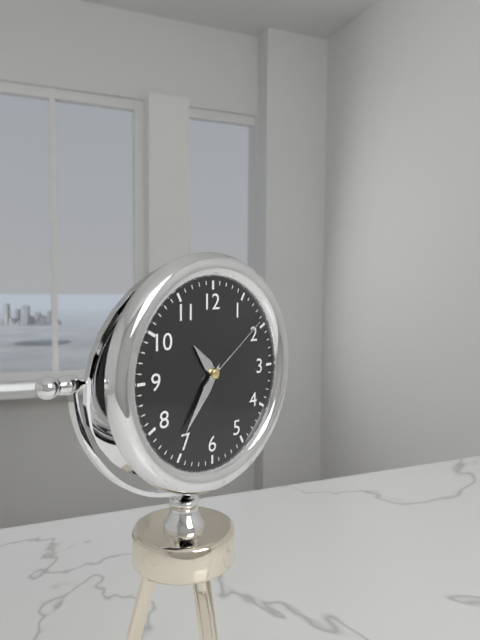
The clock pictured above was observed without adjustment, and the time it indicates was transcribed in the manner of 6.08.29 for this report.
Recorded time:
10.36.09
